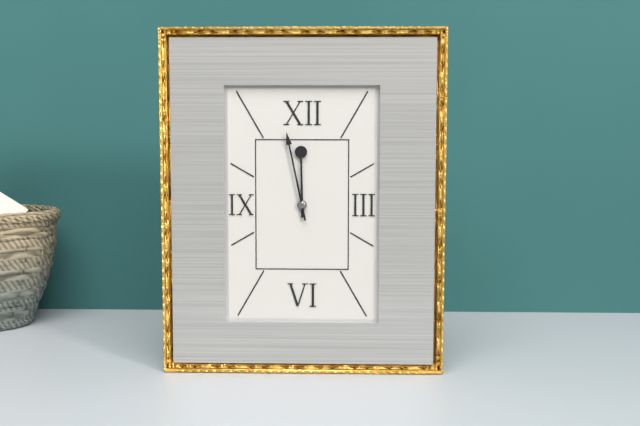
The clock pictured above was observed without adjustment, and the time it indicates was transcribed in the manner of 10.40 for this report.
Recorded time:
11.58
